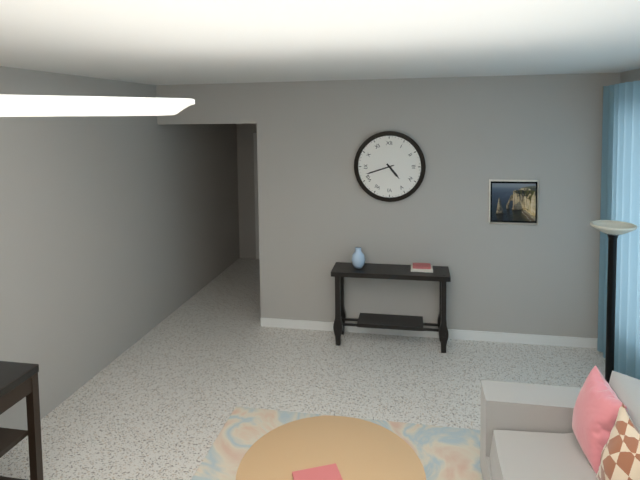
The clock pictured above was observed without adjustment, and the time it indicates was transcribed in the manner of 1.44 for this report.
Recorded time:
4.42
